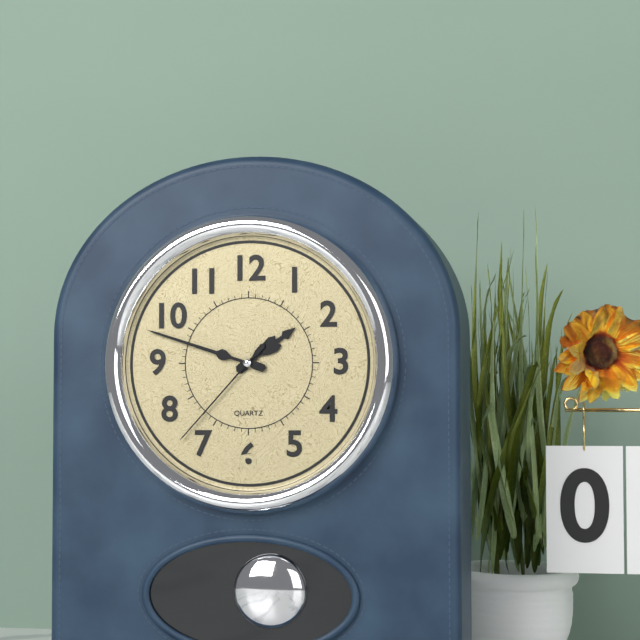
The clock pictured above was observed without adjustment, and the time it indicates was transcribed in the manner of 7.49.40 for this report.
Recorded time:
1.48.37
